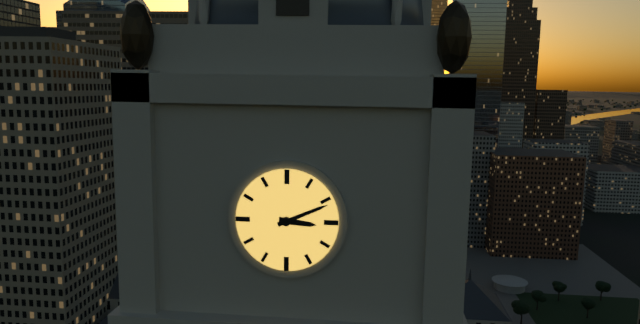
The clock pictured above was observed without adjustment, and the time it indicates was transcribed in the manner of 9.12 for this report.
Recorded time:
3.11
